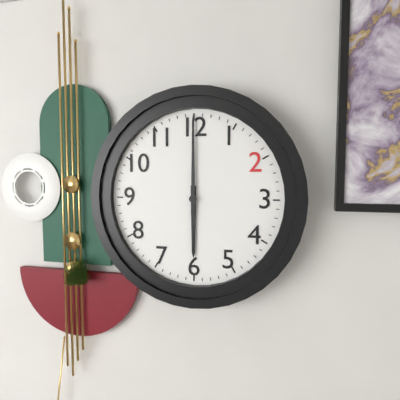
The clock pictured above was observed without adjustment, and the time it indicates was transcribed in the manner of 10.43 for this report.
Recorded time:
6.00
